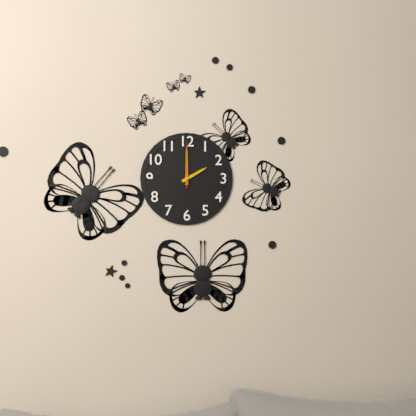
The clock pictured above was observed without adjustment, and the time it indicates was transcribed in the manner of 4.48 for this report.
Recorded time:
2.00
